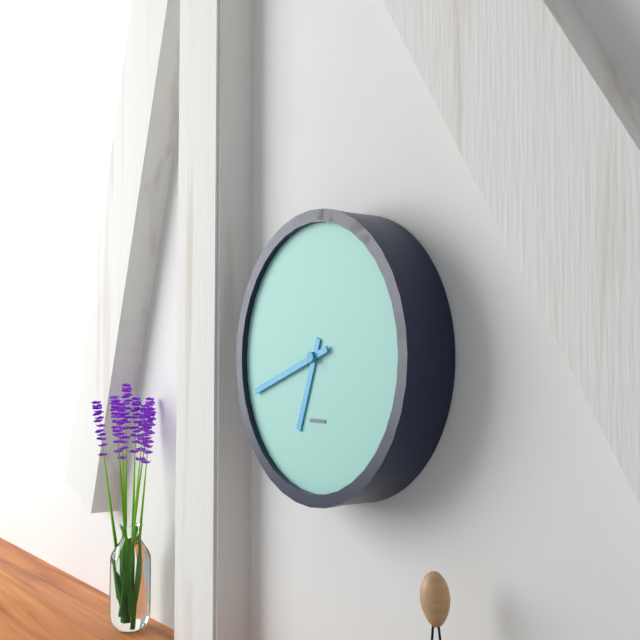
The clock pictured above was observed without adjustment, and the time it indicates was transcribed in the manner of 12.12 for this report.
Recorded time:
6.42
